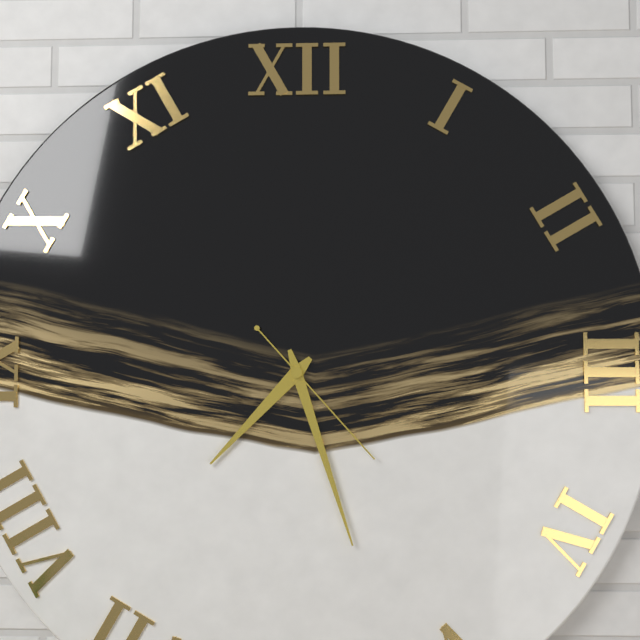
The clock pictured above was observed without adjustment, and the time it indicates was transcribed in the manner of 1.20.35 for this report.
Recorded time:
7.27.23
